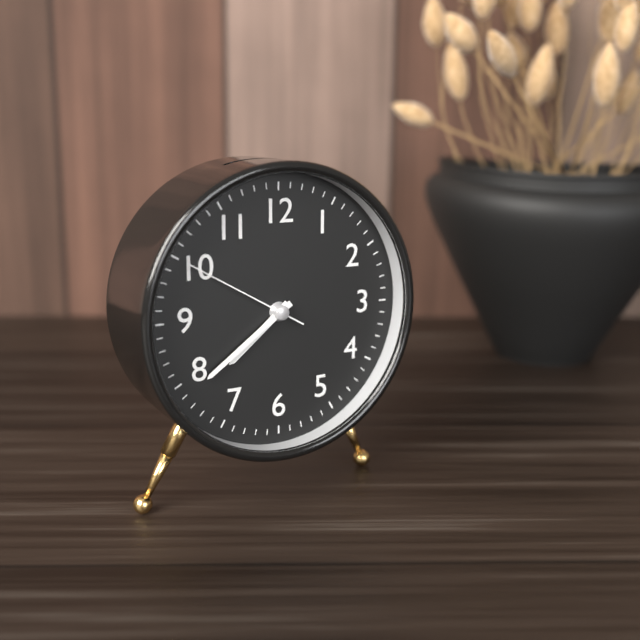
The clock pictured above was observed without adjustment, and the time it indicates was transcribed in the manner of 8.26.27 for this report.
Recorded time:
7.39.50
